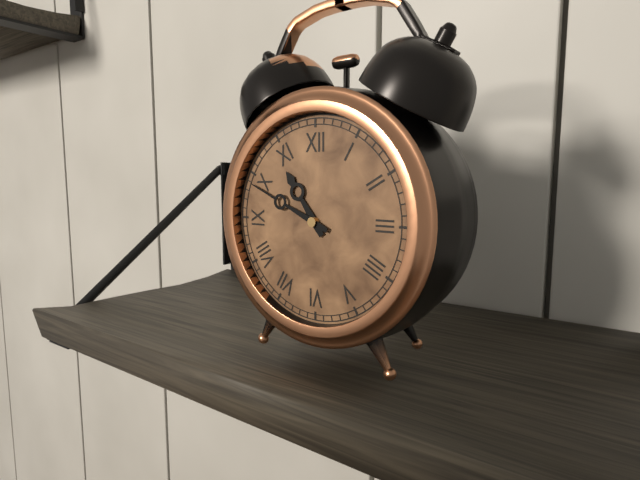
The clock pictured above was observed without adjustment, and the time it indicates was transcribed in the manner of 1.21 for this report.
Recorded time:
10.49
